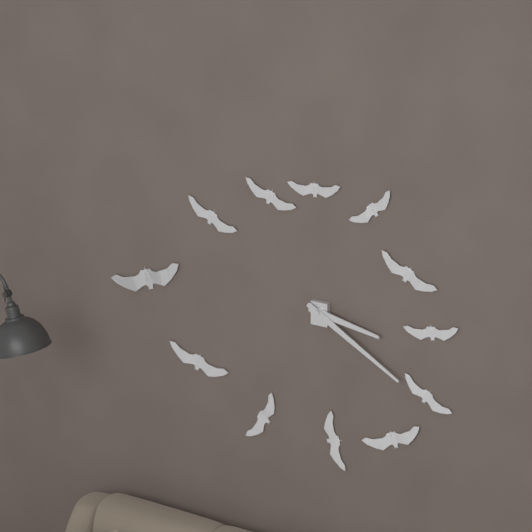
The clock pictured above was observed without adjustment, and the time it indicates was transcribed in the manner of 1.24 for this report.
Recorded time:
3.20
